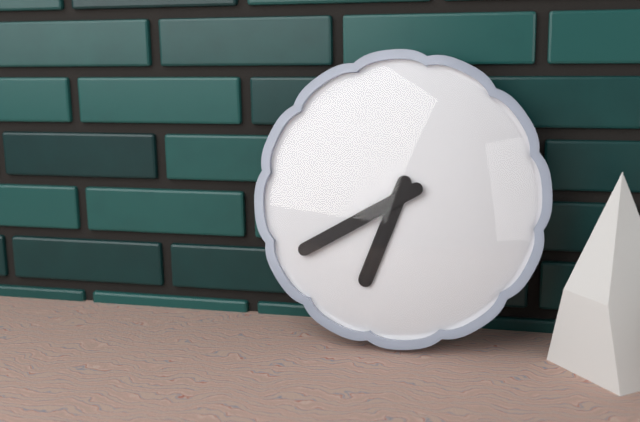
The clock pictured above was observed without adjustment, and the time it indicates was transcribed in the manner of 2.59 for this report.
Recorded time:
6.40
